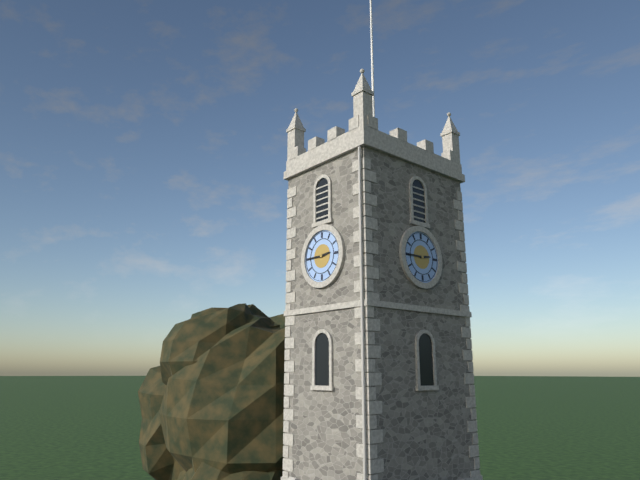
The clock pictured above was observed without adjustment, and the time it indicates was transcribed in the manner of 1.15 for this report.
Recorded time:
2.45
